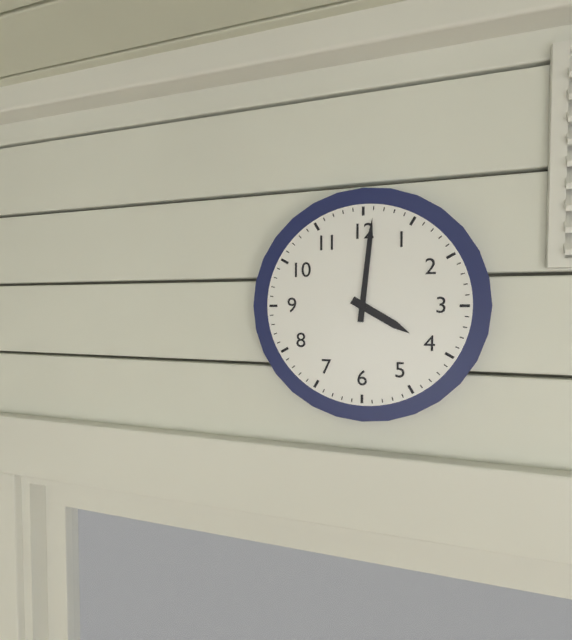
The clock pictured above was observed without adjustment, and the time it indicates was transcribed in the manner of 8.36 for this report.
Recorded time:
4.01
